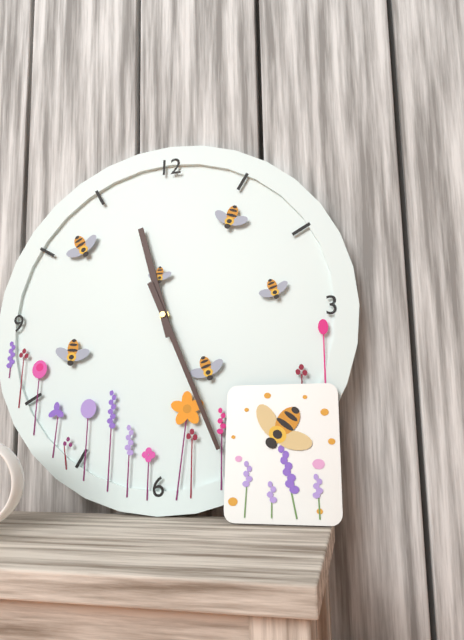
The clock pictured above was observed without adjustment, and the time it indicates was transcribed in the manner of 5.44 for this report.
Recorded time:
11.26
